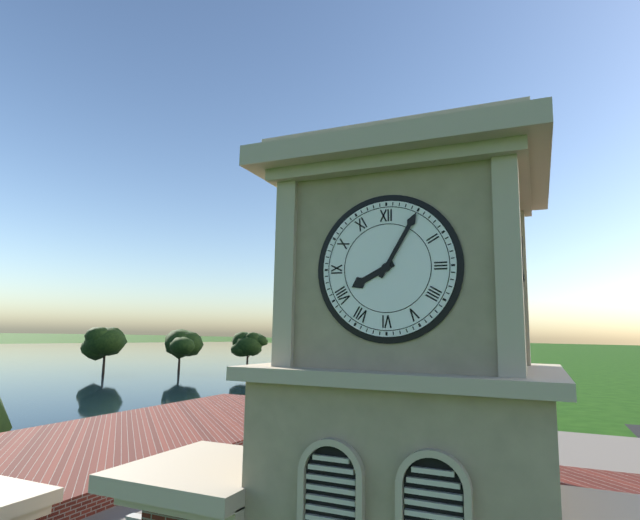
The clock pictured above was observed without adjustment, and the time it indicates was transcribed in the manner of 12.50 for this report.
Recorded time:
8.05
